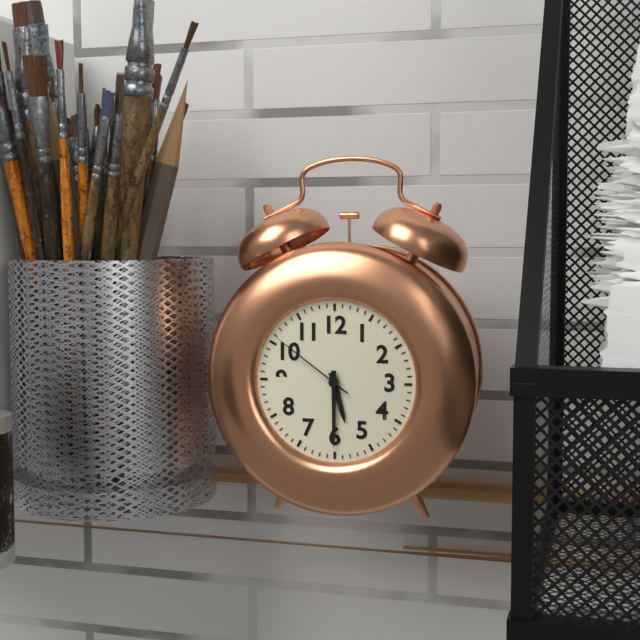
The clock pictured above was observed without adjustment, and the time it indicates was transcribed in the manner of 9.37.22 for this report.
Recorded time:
5.30.51
